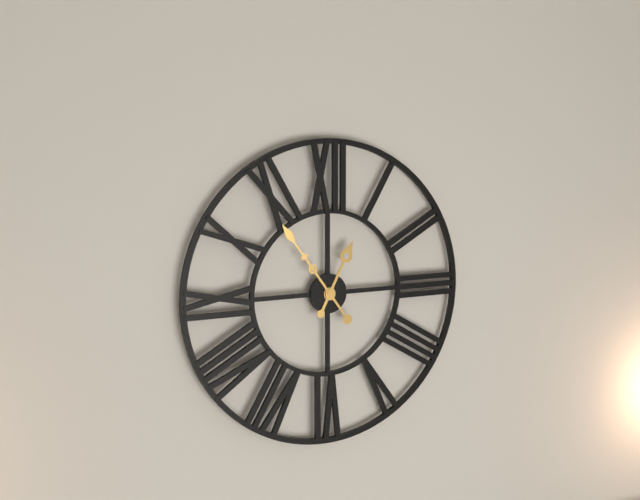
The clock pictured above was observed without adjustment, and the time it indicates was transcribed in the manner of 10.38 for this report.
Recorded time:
12.54
